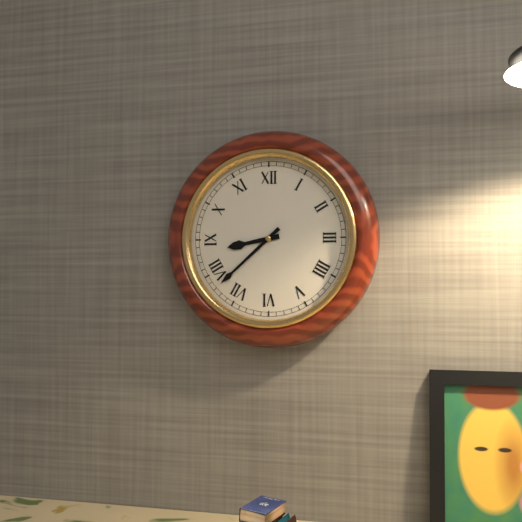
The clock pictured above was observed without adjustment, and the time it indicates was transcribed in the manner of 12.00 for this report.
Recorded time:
8.38
